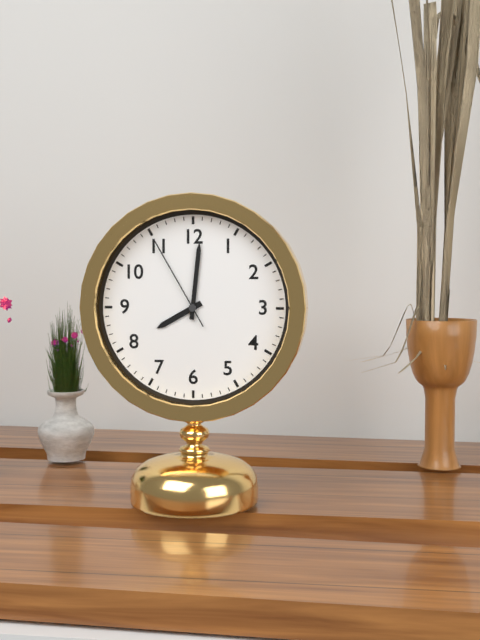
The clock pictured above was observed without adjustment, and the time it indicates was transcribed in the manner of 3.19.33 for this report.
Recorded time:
8.01.55
